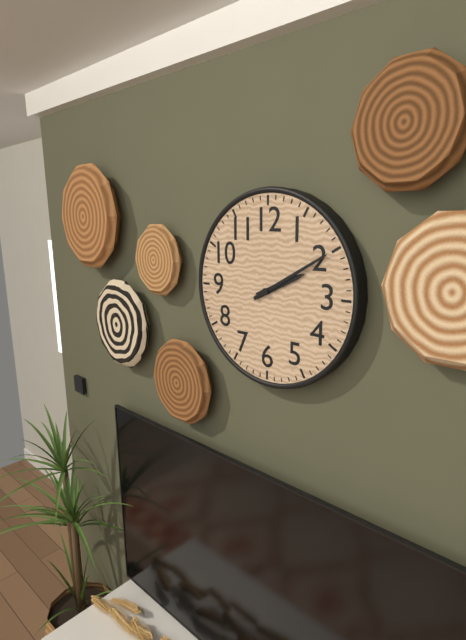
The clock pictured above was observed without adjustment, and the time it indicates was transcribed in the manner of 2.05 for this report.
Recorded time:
2.10
